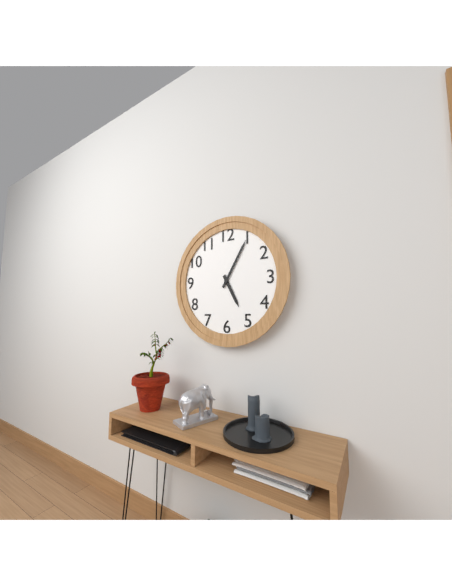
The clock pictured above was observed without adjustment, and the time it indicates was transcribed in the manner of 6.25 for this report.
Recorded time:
5.05
